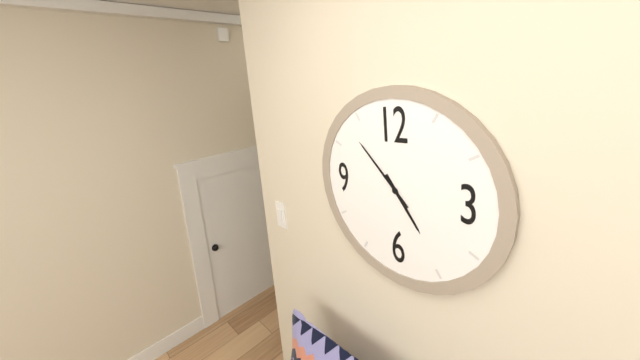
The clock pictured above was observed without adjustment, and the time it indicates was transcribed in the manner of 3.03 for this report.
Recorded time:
4.53
